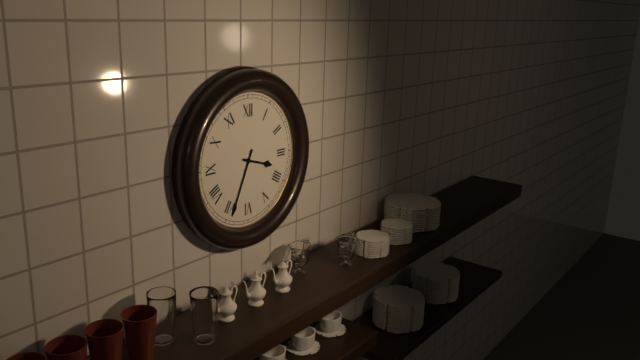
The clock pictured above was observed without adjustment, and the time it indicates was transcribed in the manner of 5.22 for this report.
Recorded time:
3.34
